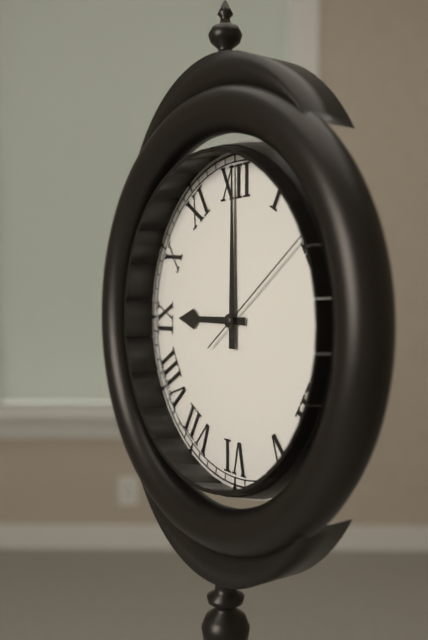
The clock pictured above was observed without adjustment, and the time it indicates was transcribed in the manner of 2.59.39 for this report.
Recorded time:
9.00.09
